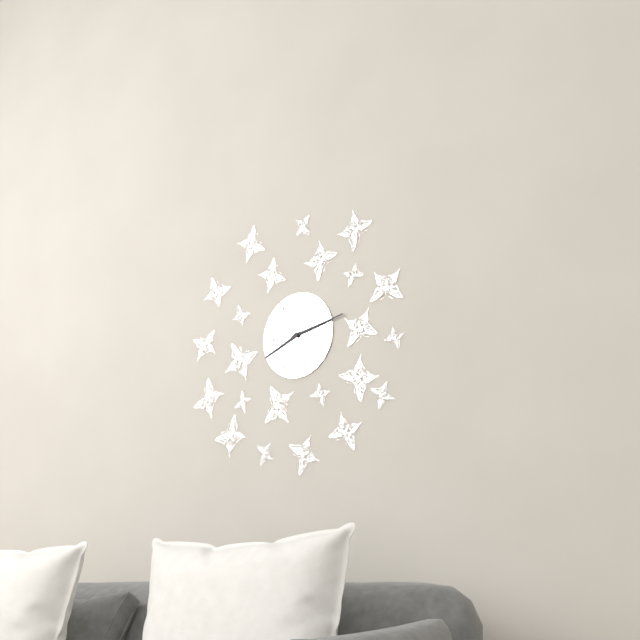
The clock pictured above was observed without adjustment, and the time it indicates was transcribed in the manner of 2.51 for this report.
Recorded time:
8.13
